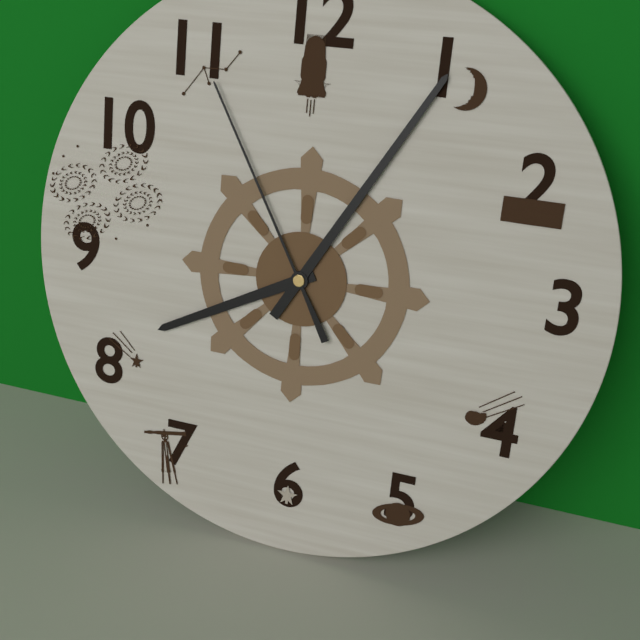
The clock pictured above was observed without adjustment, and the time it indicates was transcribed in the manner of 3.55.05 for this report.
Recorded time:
8.05.55
